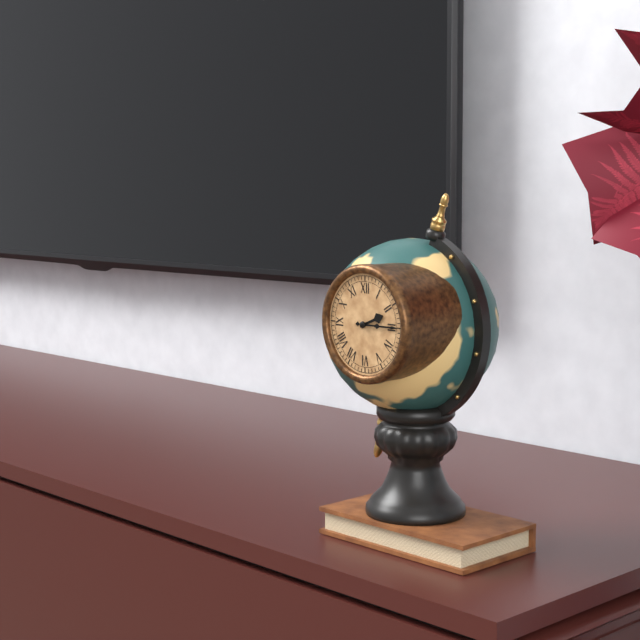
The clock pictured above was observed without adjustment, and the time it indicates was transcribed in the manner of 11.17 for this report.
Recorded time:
2.15
